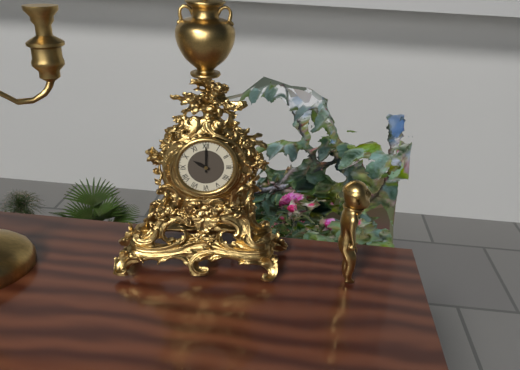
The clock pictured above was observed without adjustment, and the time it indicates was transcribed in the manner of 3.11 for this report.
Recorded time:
10.00
